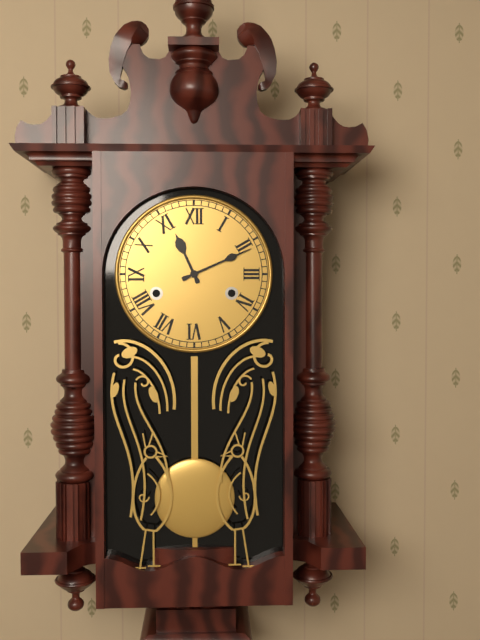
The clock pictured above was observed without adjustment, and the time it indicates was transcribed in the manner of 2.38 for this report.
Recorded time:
11.11
